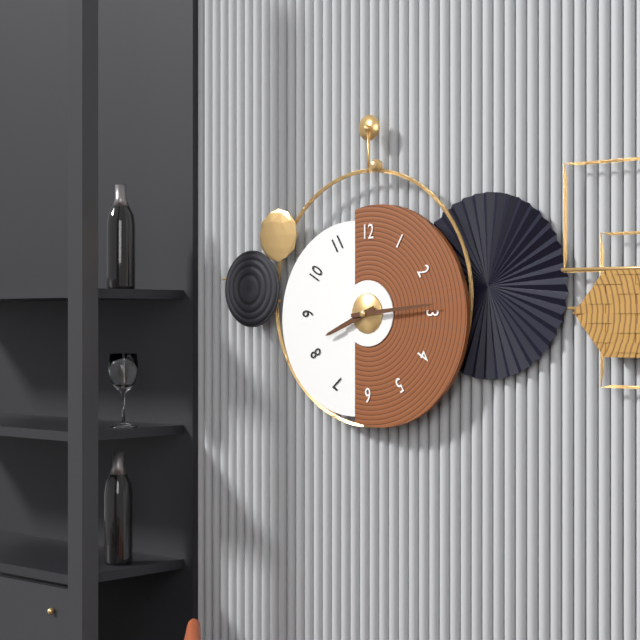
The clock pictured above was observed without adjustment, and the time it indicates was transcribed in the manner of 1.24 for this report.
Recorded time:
8.14
